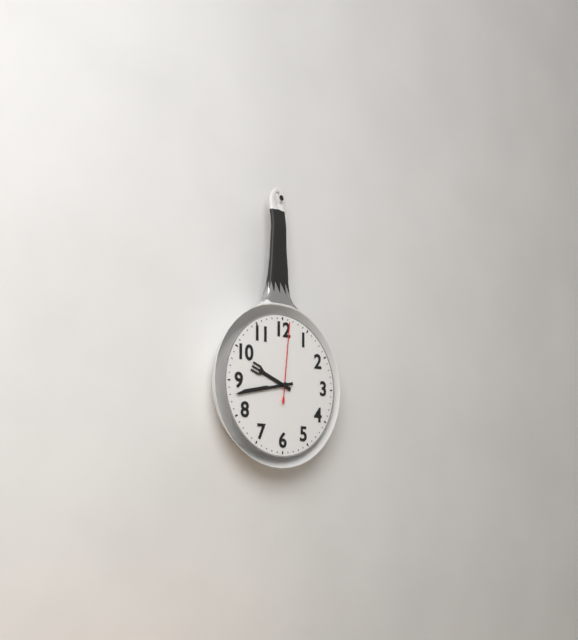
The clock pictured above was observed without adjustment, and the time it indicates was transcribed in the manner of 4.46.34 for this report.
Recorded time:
9.43.01
